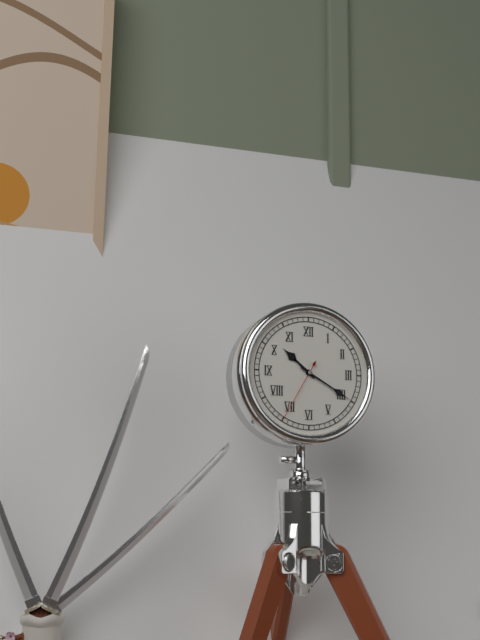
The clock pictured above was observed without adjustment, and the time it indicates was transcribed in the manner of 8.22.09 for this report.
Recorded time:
10.20.35
